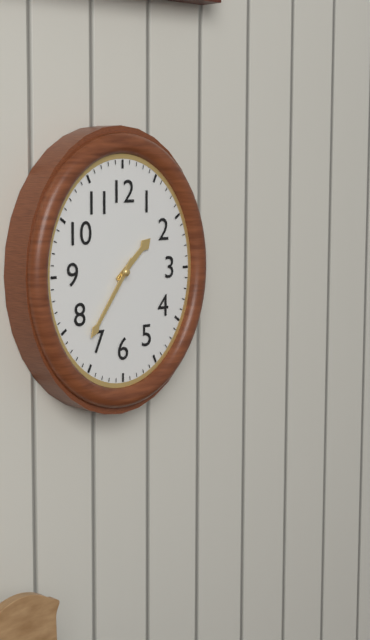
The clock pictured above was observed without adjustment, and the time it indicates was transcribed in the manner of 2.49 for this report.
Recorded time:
1.36
